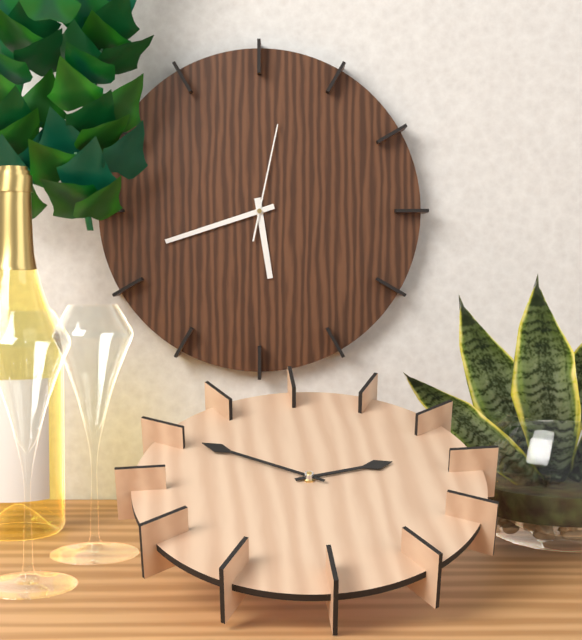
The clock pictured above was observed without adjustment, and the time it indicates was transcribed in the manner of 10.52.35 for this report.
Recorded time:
5.42.02
